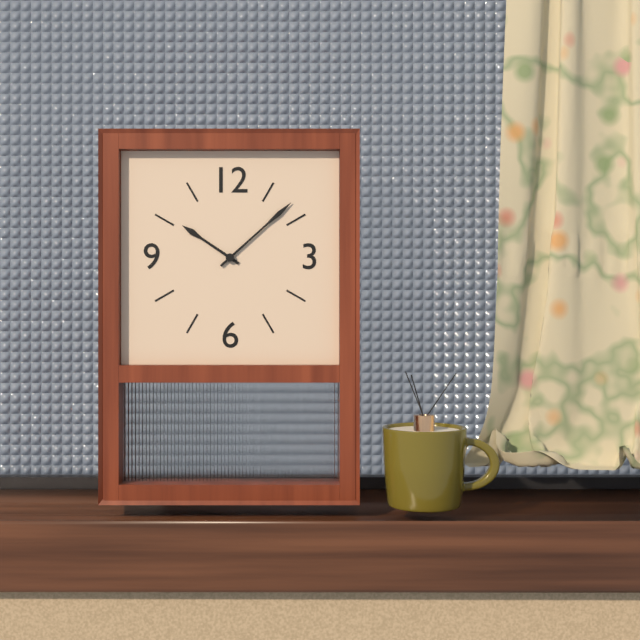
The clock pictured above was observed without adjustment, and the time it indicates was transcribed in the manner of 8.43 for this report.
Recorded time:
10.08
